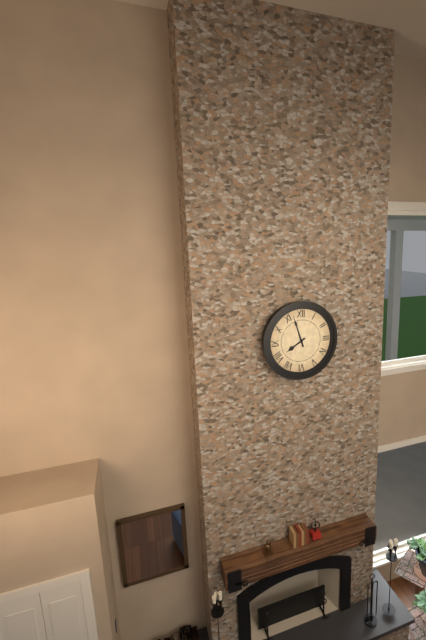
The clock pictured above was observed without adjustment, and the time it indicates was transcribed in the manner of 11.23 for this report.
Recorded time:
7.57
